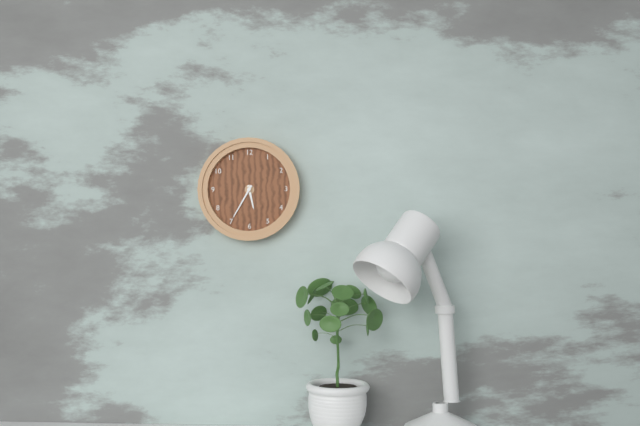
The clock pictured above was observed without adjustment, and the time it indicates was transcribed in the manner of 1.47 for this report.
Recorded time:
5.35
